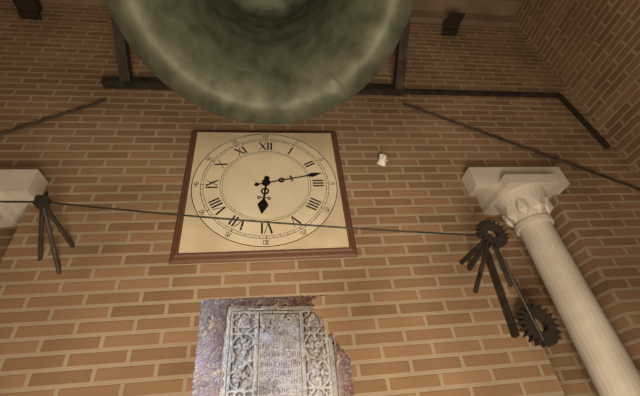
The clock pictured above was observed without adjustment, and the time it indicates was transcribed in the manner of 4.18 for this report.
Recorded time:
6.13
